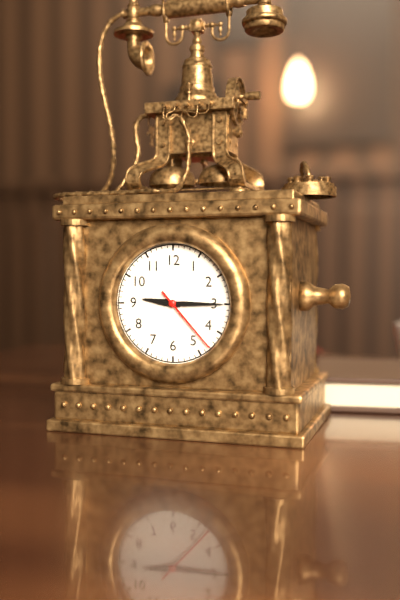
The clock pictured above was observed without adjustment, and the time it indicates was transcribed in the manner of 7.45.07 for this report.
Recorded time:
9.15.23
